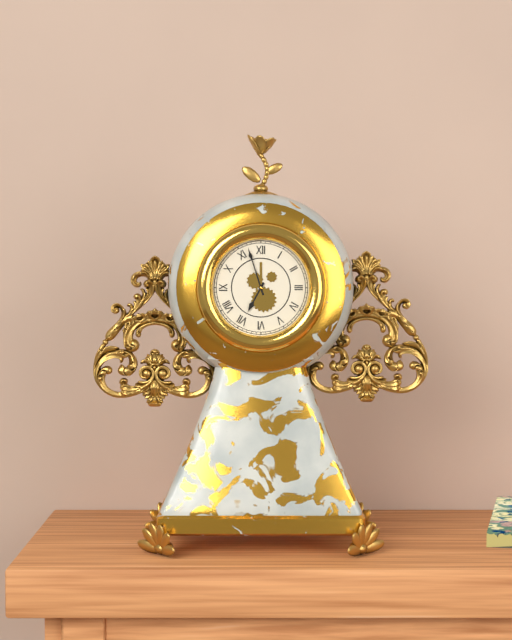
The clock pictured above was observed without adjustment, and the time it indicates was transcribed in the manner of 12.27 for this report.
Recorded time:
6.57
